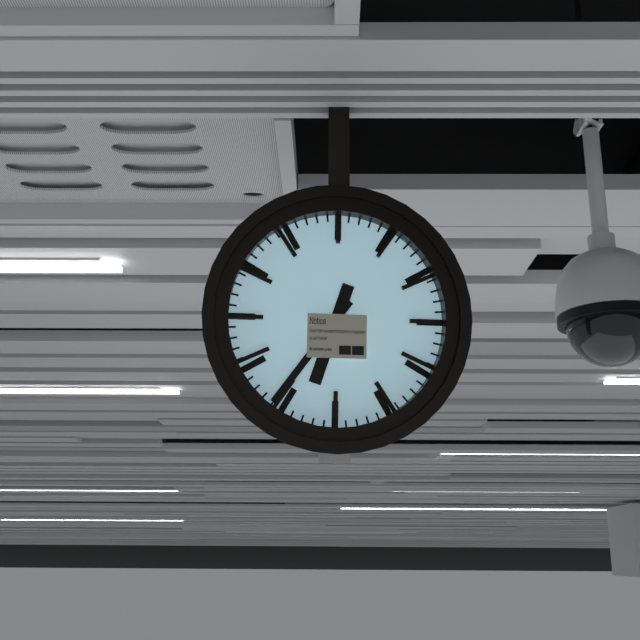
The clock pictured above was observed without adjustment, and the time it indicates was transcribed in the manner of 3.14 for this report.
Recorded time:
6.36
